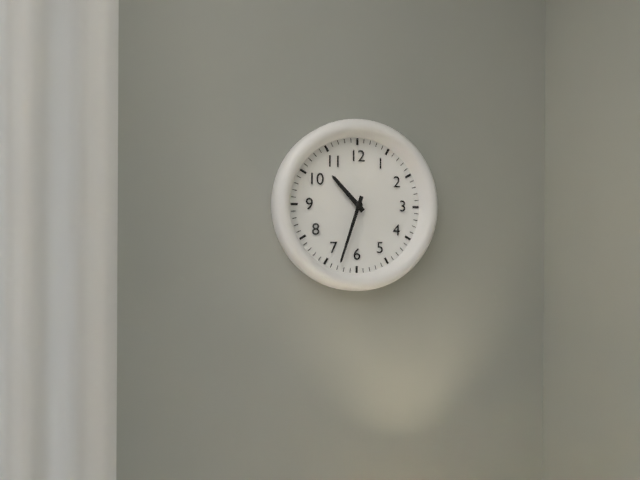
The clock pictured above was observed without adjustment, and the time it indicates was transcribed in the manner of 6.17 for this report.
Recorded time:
10.33
